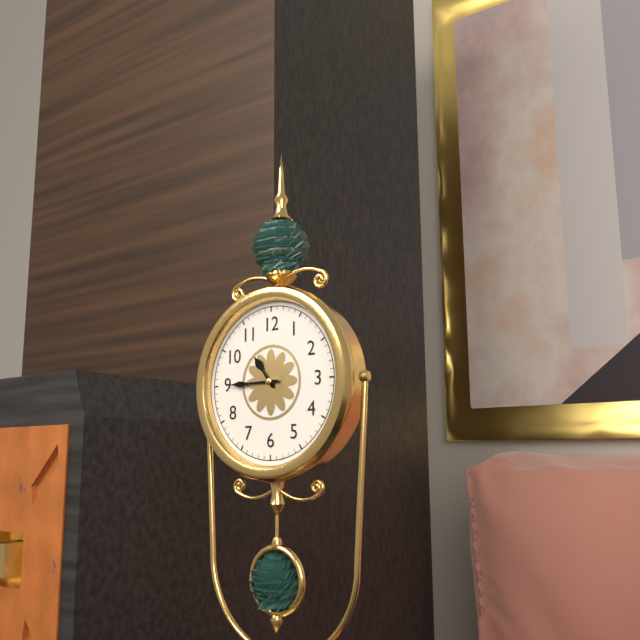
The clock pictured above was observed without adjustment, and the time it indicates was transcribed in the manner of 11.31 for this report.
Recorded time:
10.45
